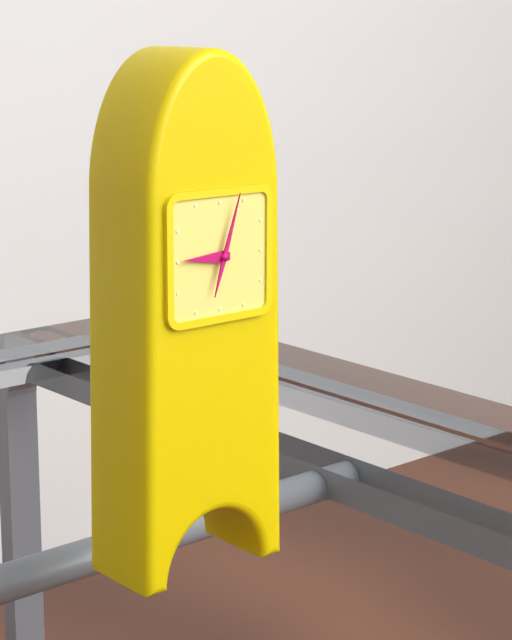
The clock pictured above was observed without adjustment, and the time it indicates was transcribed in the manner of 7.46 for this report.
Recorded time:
9.03
